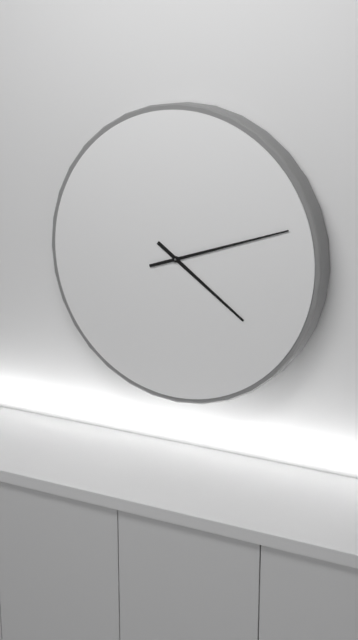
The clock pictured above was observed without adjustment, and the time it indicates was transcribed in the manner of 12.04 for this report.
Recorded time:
4.12
